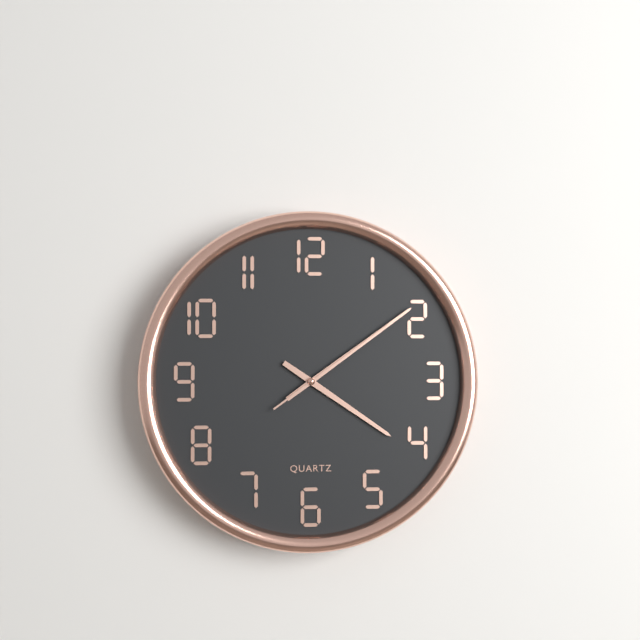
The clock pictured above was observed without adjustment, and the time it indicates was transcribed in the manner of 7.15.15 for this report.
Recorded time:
4.09.09
